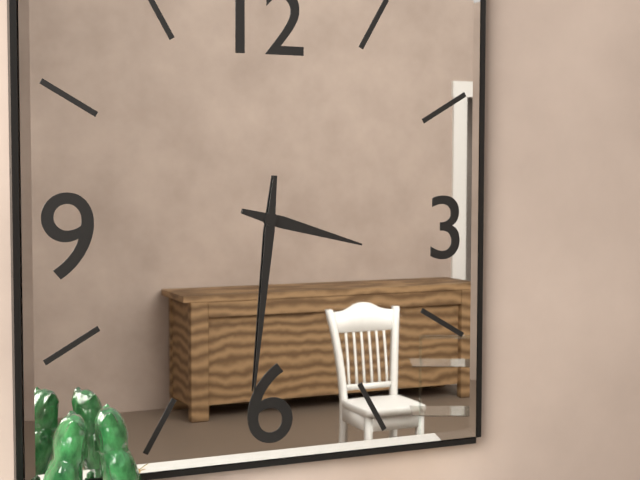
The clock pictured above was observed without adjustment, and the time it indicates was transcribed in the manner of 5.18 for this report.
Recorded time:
3.31
